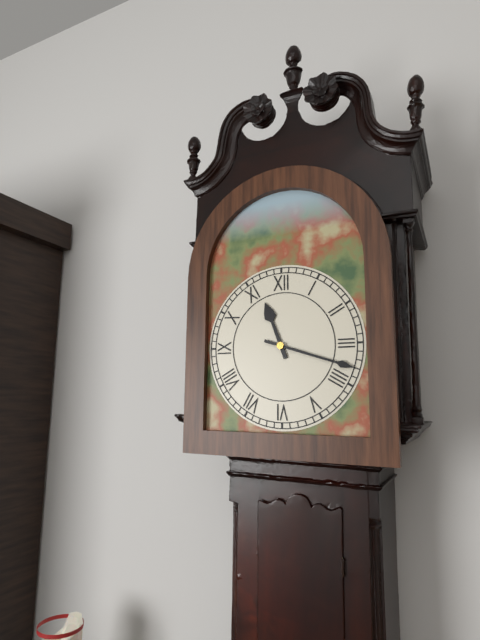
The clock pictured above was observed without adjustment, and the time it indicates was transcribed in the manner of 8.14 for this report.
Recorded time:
11.18
